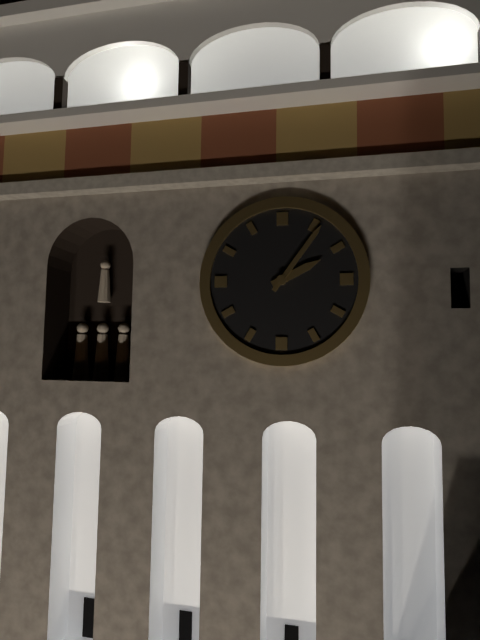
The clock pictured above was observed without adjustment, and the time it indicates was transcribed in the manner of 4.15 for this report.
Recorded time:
2.06
